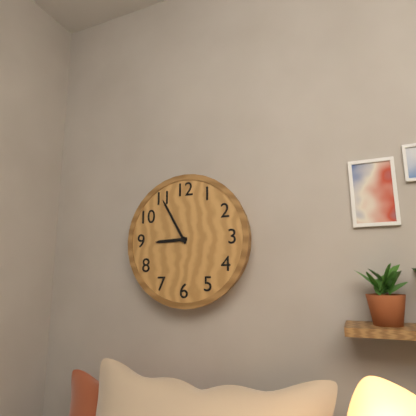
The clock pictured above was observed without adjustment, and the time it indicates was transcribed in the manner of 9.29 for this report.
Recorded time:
8.55
